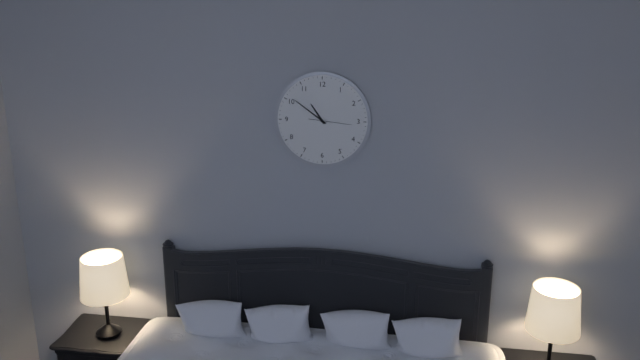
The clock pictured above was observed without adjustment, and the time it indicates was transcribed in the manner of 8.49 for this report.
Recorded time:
10.51
